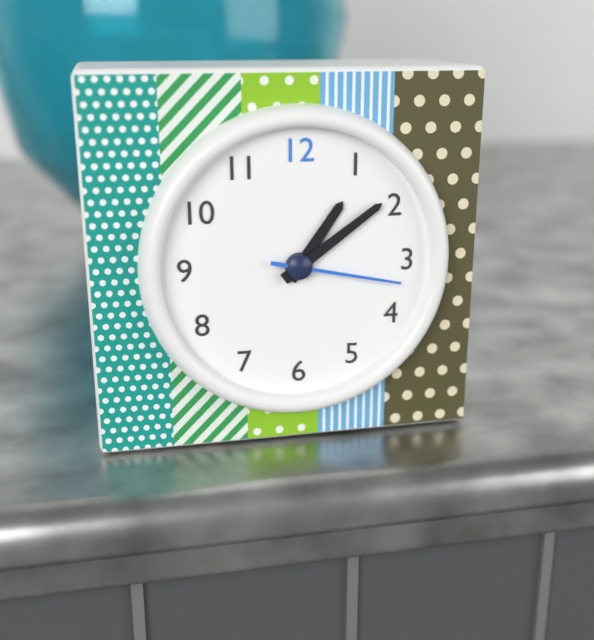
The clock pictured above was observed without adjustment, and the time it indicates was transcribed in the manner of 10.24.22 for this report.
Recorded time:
1.09.17
